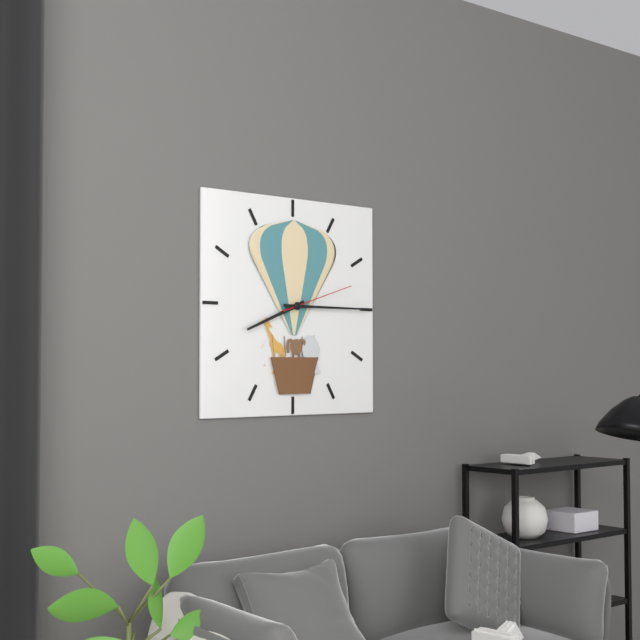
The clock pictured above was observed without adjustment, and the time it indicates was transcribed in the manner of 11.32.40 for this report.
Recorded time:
8.15.12
